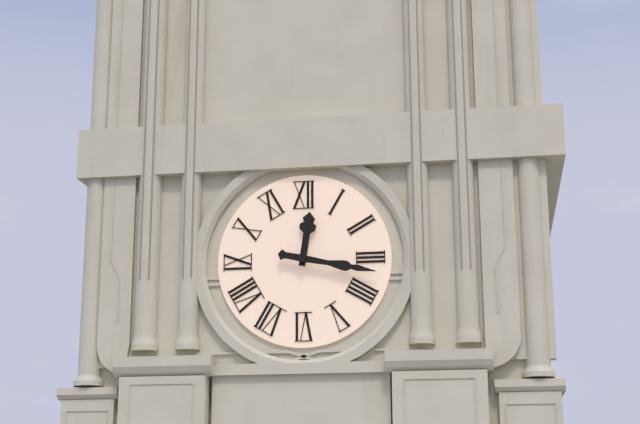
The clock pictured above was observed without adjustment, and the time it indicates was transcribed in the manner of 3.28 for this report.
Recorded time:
12.17
